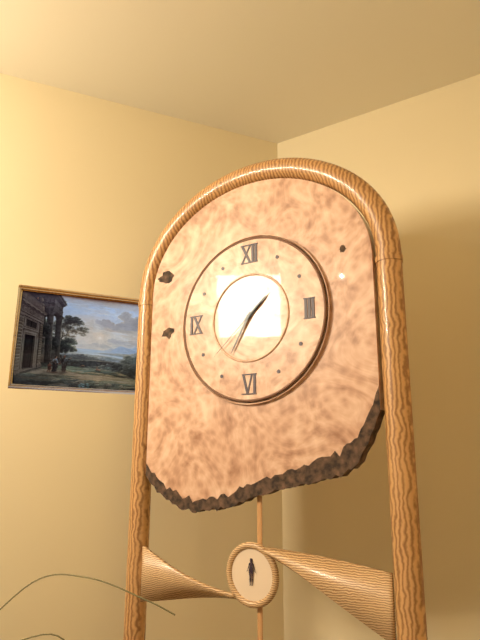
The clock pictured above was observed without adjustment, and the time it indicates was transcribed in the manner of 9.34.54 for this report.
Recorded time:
1.35.38
